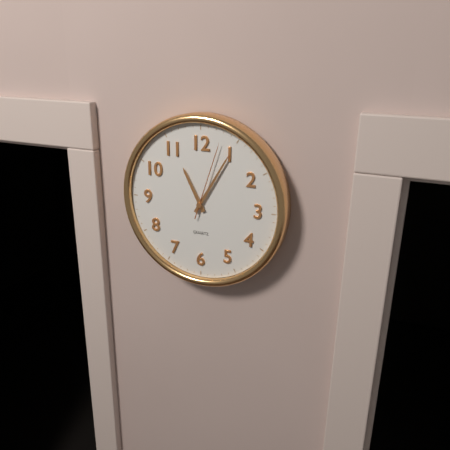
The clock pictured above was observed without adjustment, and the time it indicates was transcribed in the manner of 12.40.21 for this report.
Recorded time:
11.05.03
